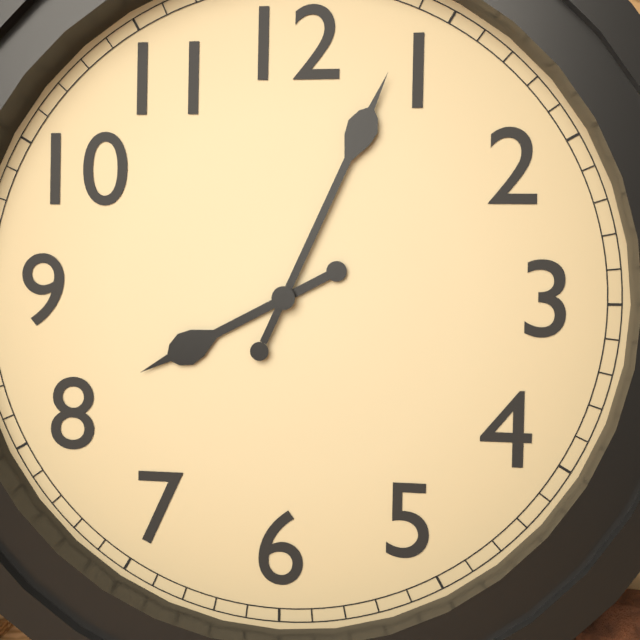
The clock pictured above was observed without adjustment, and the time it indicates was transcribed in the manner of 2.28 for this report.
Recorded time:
8.04
